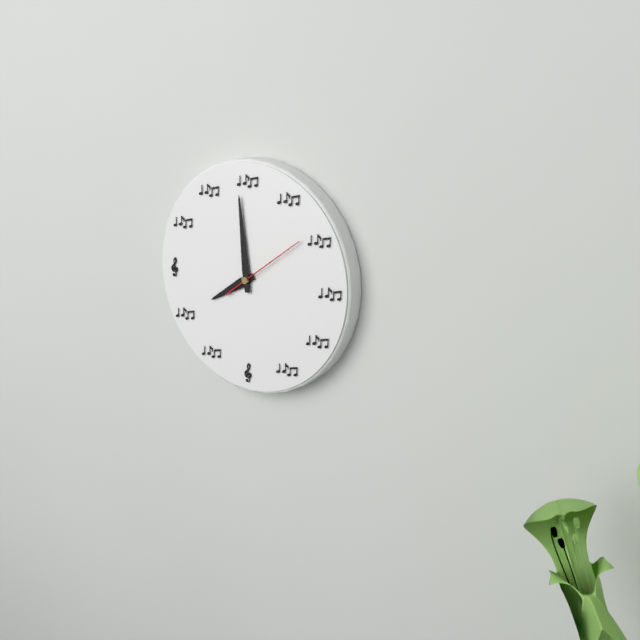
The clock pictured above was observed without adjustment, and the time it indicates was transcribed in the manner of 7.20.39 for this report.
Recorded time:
7.59.09
